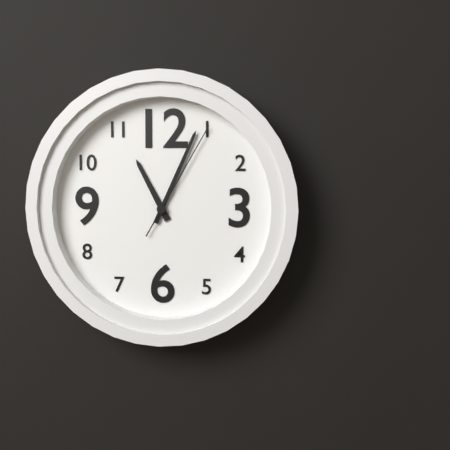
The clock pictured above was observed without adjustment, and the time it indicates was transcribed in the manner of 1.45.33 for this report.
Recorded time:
11.04.05
